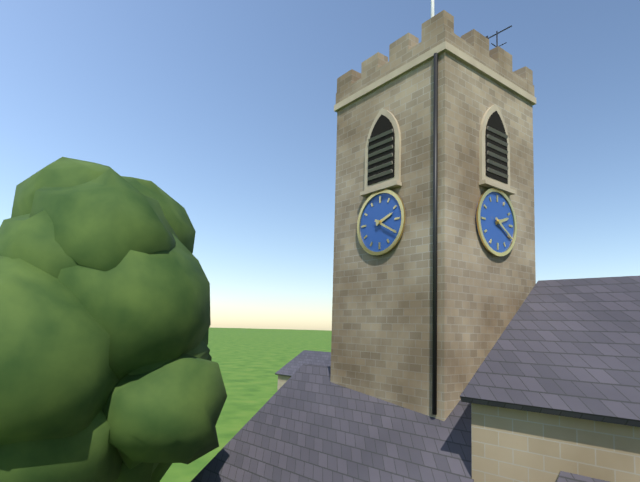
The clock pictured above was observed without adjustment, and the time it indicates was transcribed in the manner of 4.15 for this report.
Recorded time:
2.20
